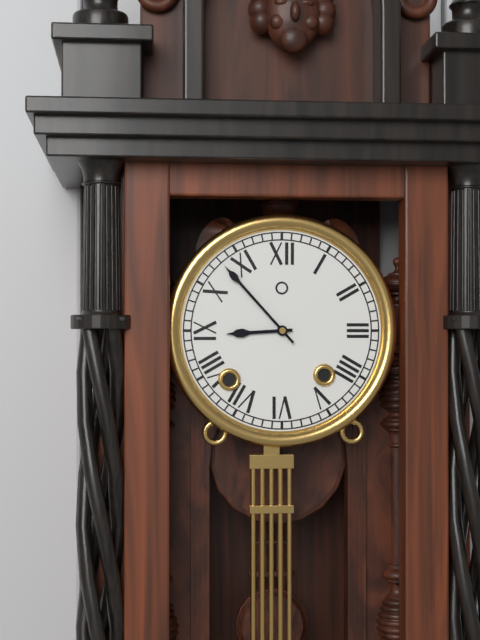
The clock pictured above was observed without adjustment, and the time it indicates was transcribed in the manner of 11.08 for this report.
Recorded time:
8.53
